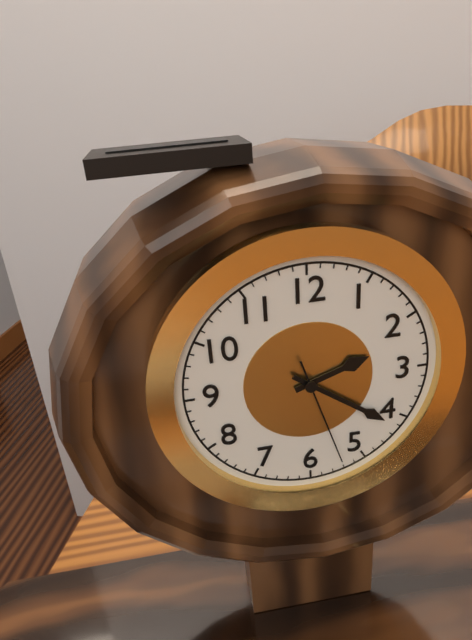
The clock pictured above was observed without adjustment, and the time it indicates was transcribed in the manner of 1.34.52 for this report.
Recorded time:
2.21.27
